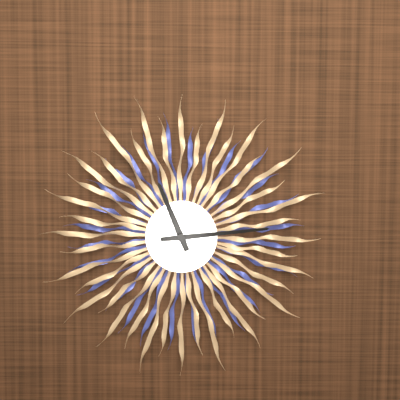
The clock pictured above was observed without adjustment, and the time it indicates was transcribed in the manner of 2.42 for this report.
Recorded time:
11.14
